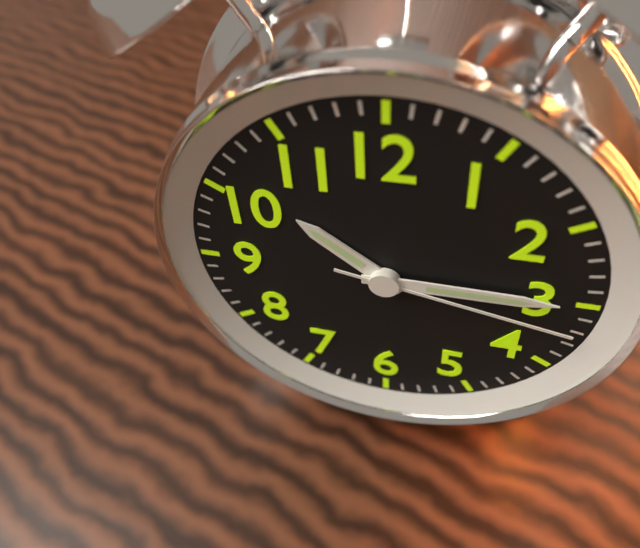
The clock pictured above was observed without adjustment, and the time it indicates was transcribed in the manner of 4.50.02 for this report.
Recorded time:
10.15.17
